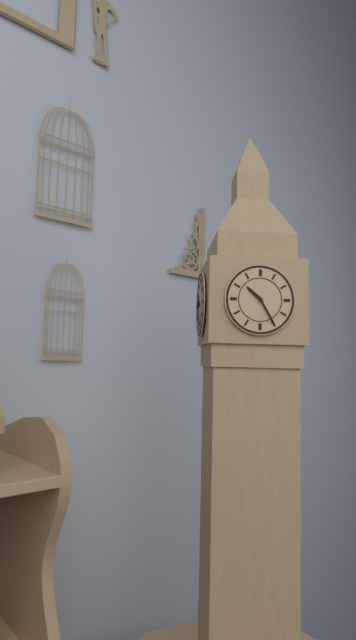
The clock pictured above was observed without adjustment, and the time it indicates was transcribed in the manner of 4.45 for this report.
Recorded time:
10.25
